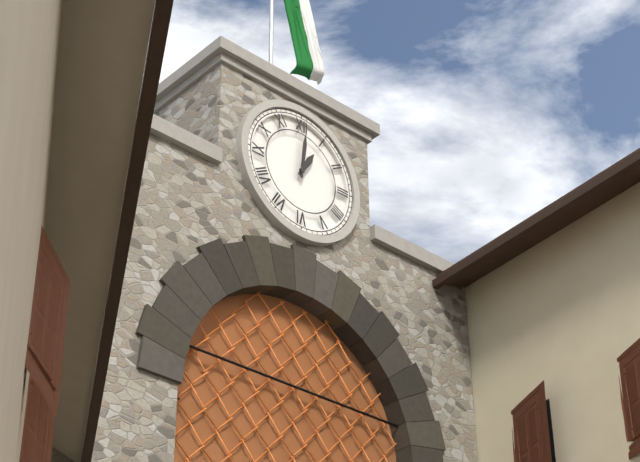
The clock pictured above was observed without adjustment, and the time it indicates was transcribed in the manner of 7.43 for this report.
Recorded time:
1.01
